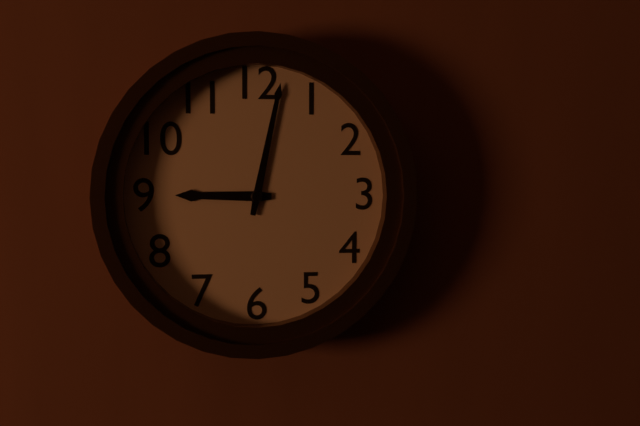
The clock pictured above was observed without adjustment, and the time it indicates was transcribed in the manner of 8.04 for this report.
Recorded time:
9.02
